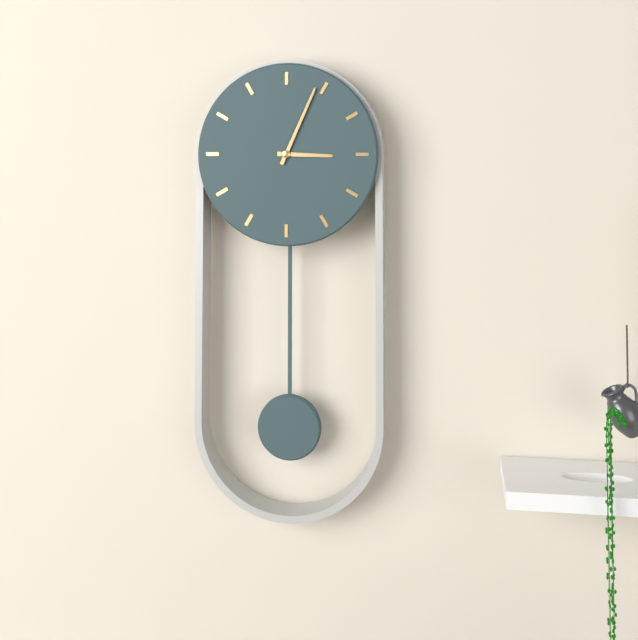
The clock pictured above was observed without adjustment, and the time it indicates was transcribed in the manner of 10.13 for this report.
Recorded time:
3.04
